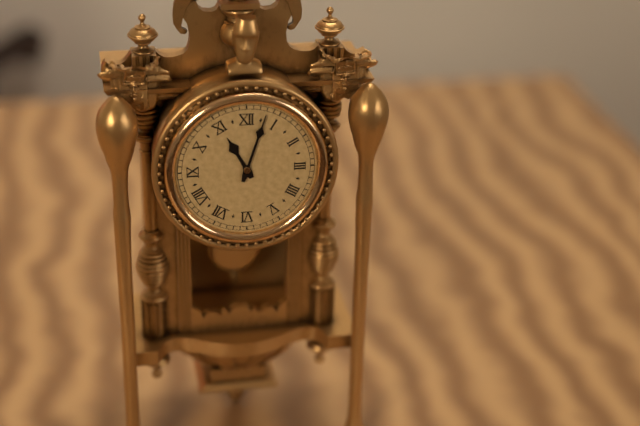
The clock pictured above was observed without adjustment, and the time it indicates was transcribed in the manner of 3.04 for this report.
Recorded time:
11.03
